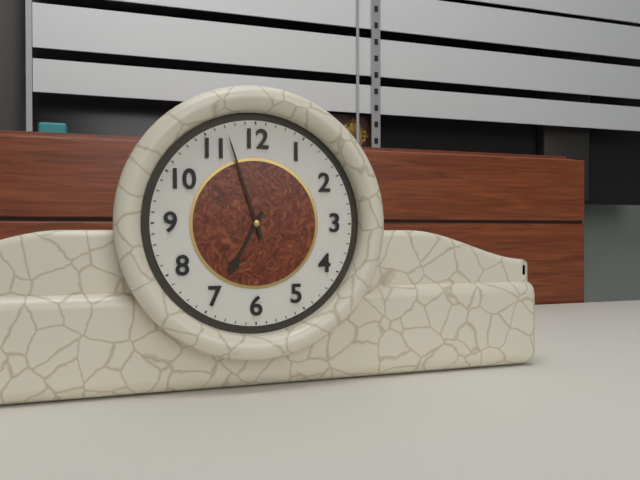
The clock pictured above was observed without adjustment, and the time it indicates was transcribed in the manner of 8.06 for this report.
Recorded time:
6.57
